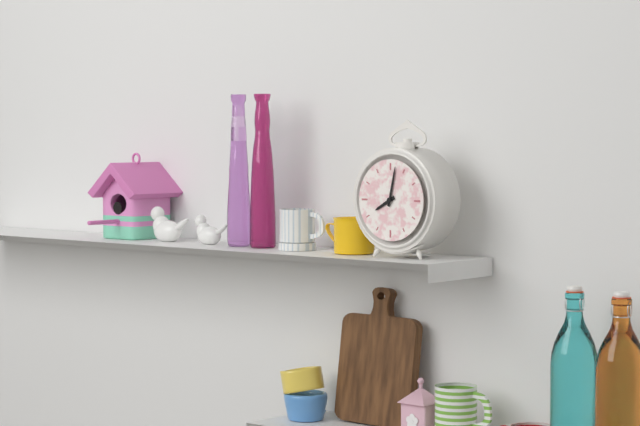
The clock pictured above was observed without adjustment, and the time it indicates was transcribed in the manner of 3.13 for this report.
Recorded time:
8.02
